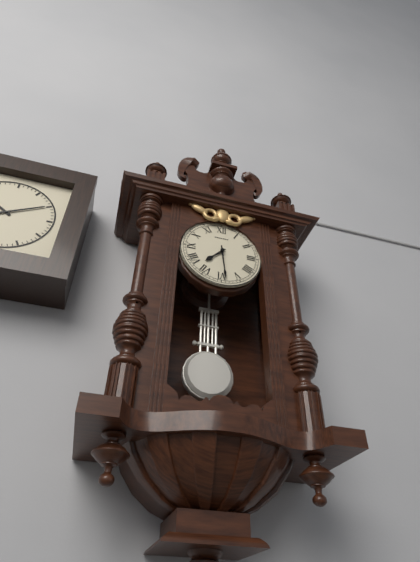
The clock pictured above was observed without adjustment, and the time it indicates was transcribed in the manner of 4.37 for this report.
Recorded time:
7.29
